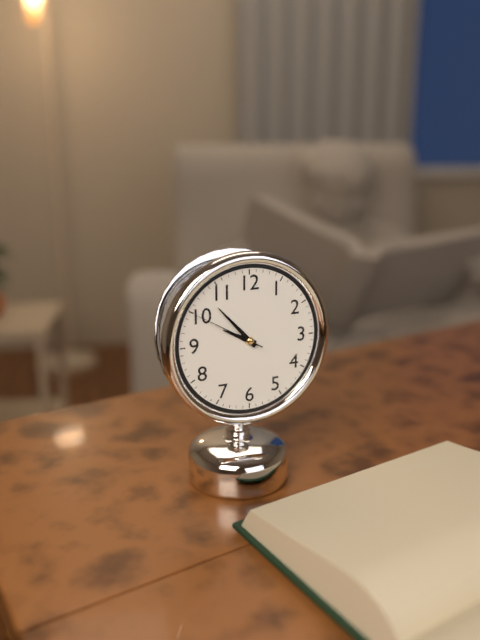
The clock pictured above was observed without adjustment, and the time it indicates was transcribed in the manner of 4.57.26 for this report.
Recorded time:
9.53.50
